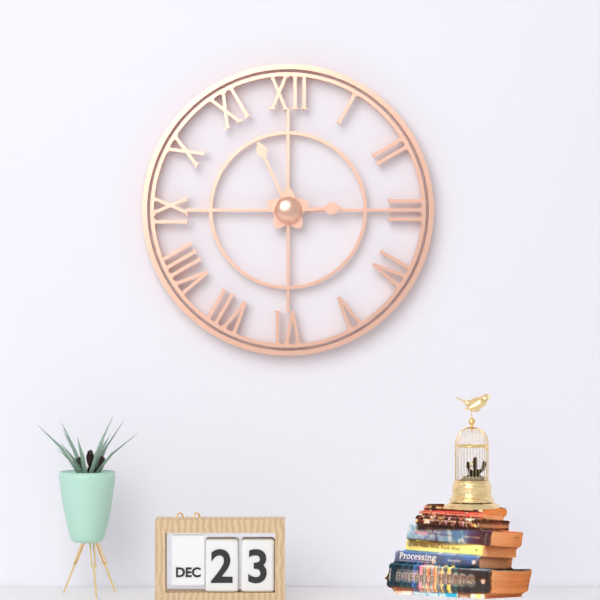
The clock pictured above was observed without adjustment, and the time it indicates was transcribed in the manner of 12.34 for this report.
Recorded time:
2.56
